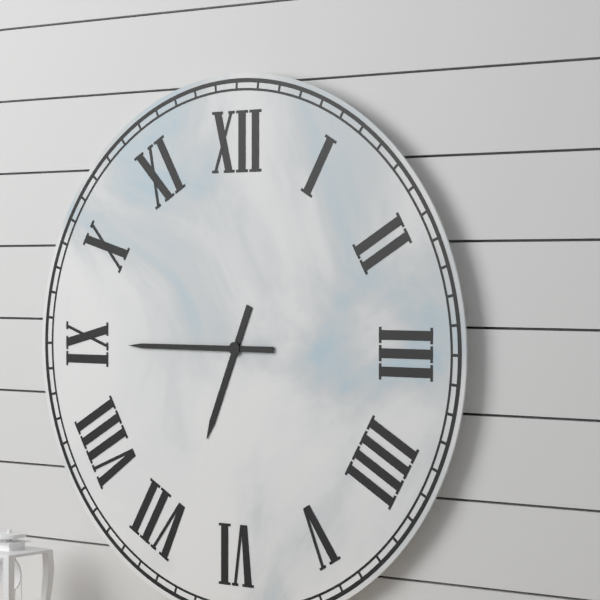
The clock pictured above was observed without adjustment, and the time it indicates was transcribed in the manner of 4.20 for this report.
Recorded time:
6.45
